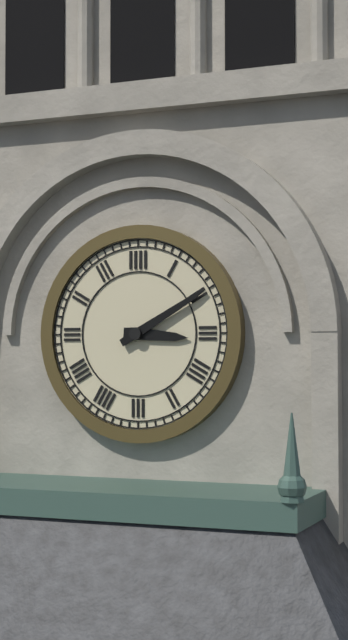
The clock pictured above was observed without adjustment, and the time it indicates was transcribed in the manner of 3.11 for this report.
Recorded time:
3.10
